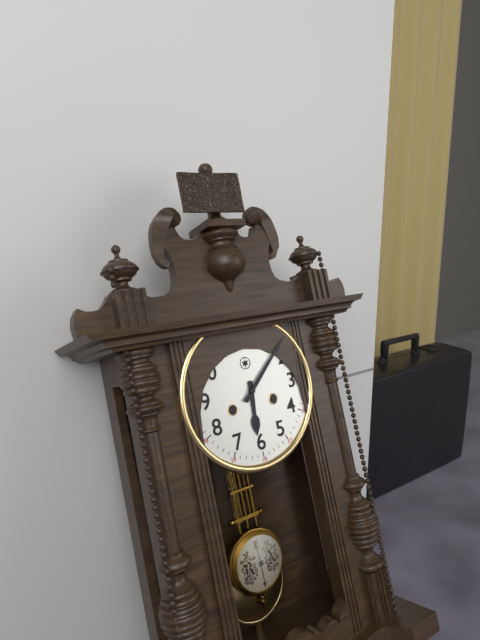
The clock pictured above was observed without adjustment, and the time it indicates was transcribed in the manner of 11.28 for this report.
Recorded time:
6.08
